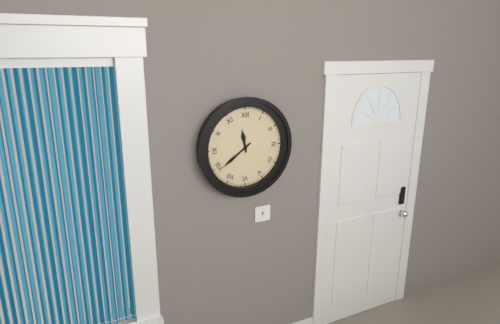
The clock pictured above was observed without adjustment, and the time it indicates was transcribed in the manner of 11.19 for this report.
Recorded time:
11.39
